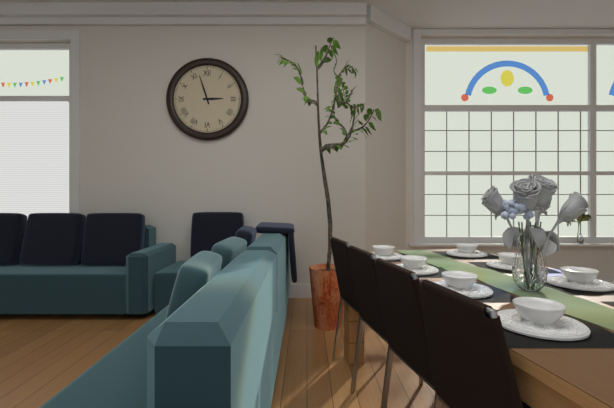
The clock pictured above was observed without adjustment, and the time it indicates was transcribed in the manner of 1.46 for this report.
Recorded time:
2.57
